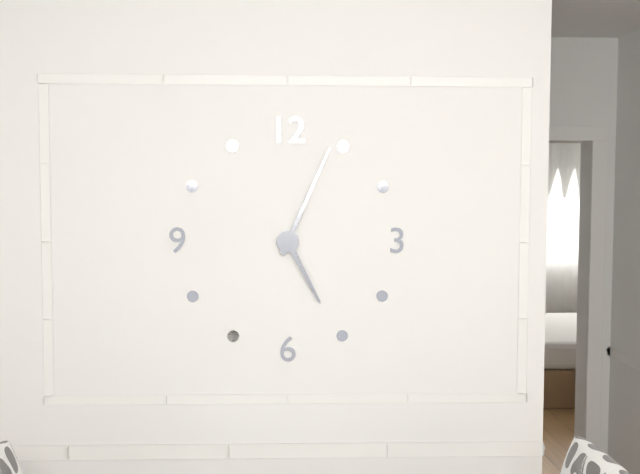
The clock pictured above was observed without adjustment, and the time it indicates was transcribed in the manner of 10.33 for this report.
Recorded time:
5.04
